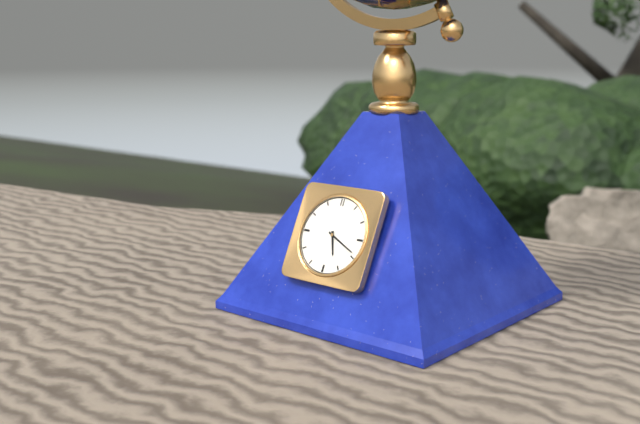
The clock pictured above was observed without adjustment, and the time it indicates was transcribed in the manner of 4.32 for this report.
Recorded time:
5.19
